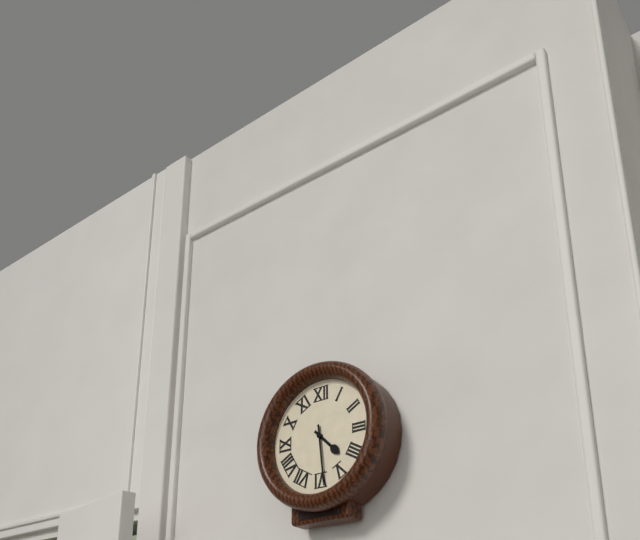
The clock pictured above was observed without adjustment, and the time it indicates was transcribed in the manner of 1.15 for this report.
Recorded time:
4.29
